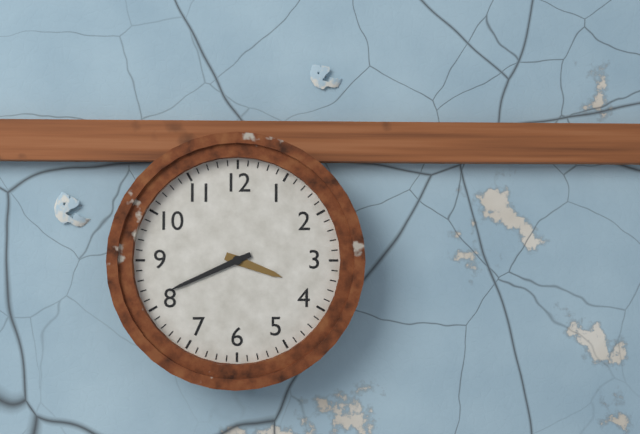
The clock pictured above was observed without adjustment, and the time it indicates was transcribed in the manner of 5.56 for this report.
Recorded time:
3.41
